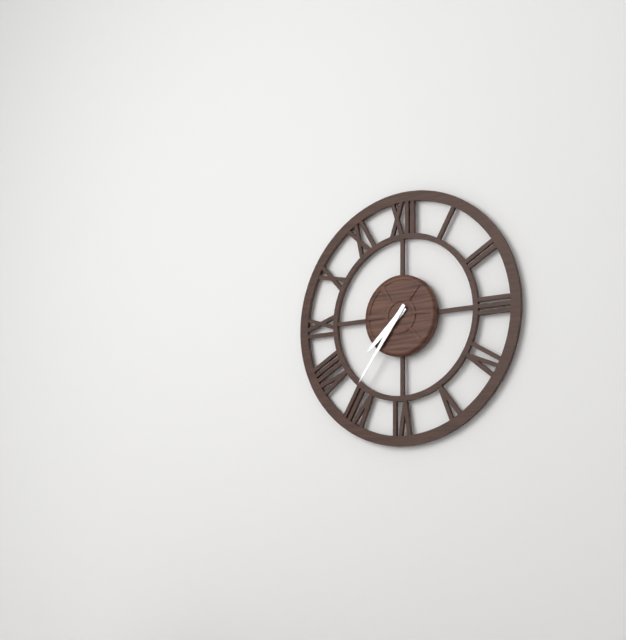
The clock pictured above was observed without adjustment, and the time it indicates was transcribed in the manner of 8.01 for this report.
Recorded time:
7.36
